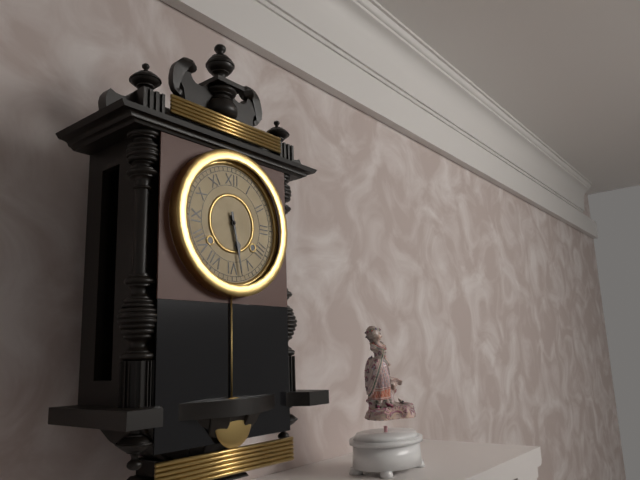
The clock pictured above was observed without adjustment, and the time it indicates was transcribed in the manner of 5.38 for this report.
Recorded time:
5.28
